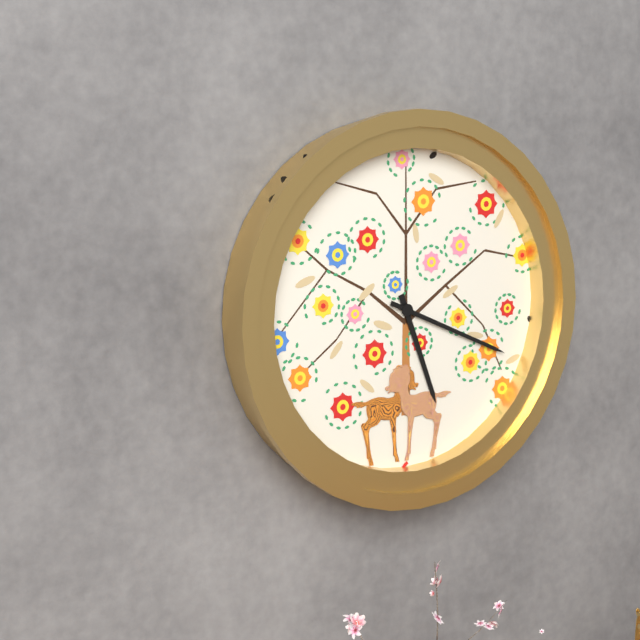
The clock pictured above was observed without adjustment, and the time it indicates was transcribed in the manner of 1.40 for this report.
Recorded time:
5.19
